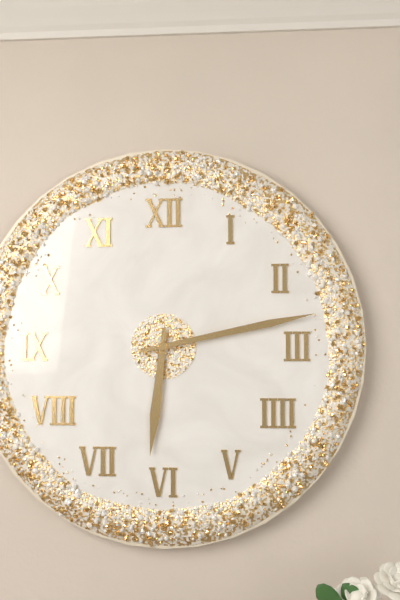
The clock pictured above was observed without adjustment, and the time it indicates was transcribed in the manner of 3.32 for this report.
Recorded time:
6.13
